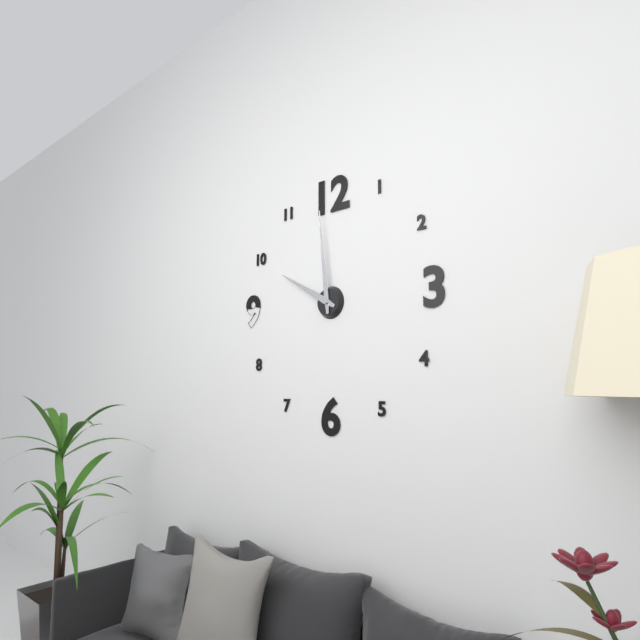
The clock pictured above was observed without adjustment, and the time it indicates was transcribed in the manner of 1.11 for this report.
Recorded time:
9.59
